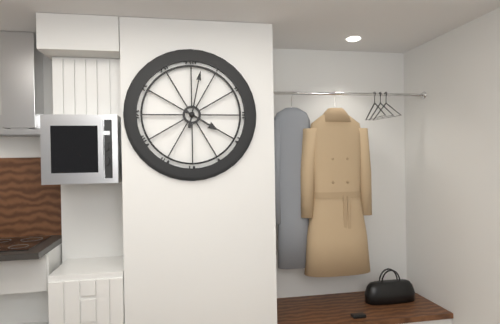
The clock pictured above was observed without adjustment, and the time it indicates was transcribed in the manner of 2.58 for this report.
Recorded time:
4.02
